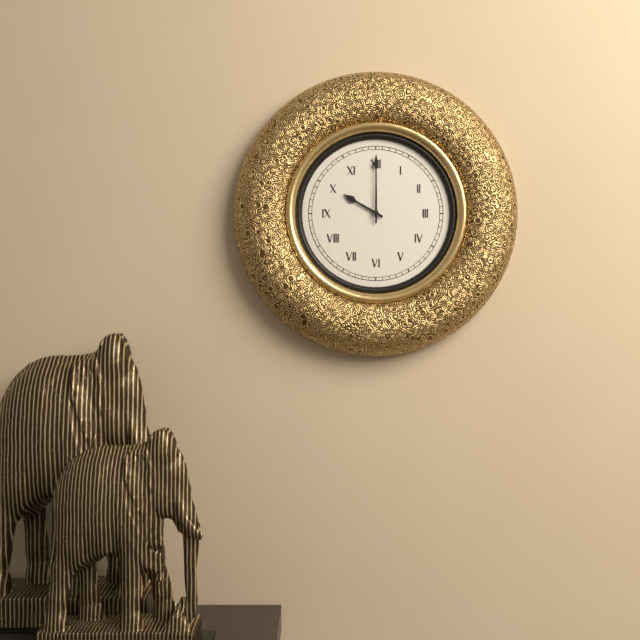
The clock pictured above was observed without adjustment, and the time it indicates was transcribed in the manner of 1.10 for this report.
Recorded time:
10.00
